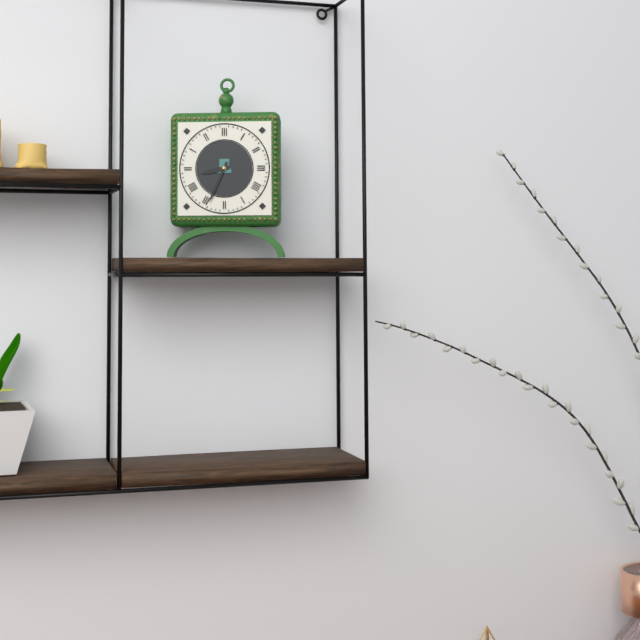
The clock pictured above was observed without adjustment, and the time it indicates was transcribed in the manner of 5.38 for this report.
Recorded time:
8.34
